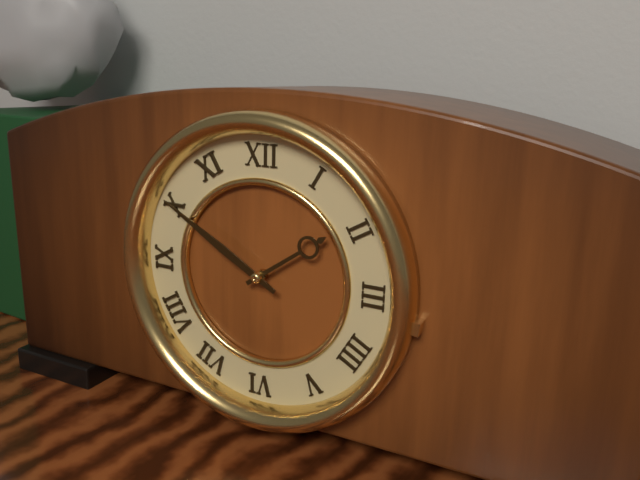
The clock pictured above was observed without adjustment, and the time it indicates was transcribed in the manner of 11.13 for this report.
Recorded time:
1.50
